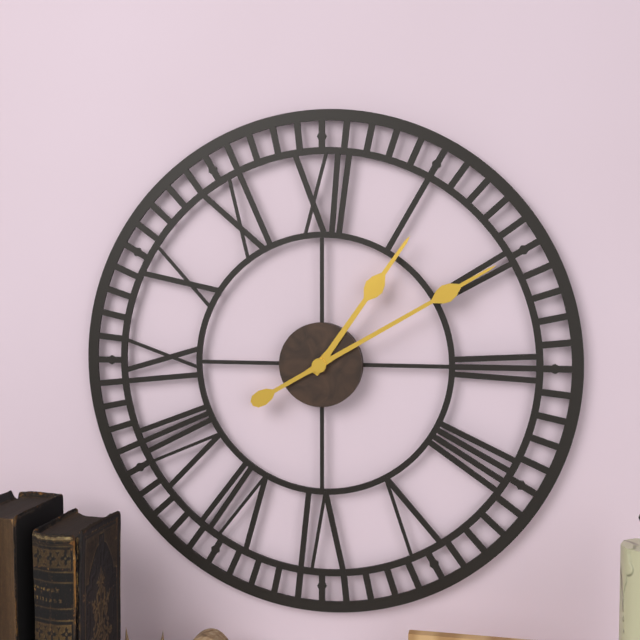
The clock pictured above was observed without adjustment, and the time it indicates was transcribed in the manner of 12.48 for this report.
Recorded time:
1.10
